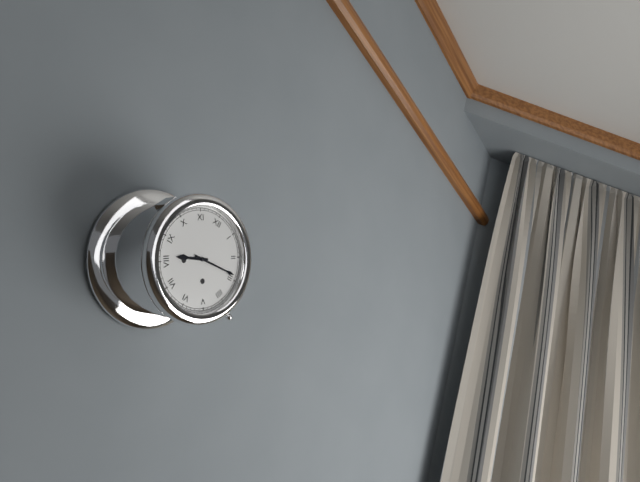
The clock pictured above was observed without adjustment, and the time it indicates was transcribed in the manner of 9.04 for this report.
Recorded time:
8.14
